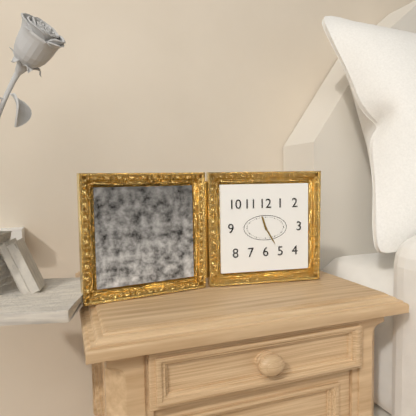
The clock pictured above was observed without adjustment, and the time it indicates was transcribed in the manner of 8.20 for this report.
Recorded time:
11.25
